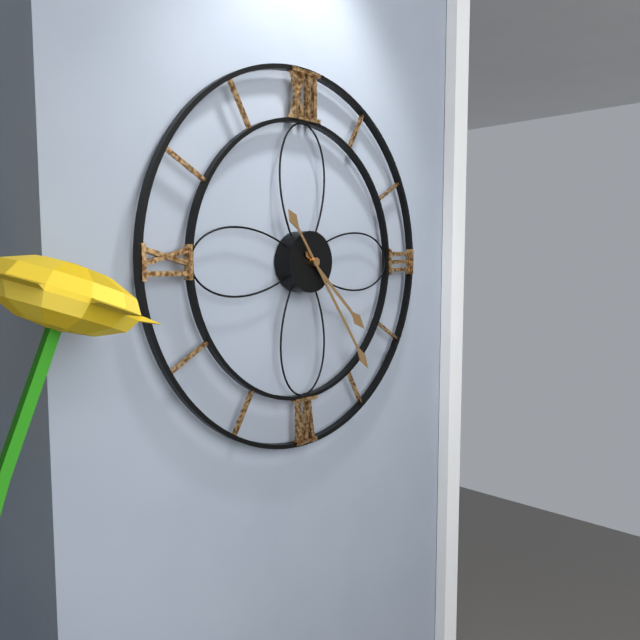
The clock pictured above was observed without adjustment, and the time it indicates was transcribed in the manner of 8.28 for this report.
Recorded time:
4.24
